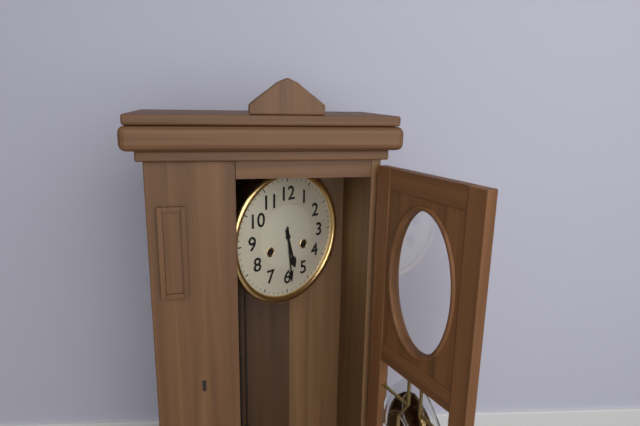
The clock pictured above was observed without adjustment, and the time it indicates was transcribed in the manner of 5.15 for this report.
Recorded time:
5.29
